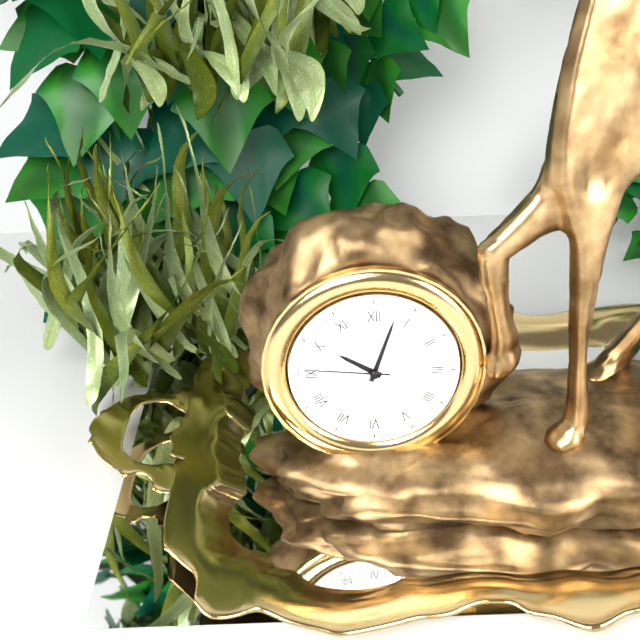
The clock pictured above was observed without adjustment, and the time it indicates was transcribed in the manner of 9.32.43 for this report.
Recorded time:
10.03.46
